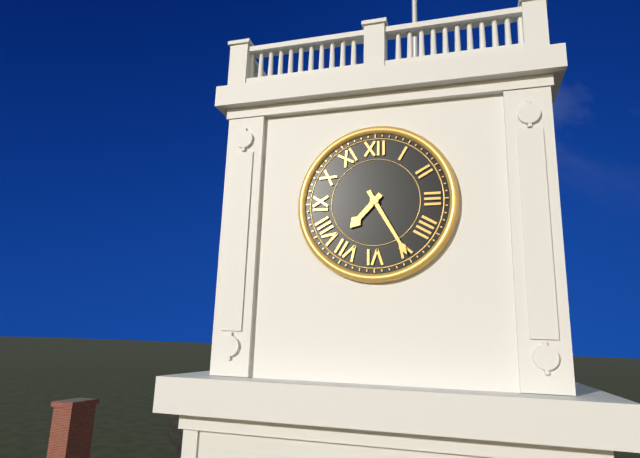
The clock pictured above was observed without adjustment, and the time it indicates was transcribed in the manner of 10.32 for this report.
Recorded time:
7.25
